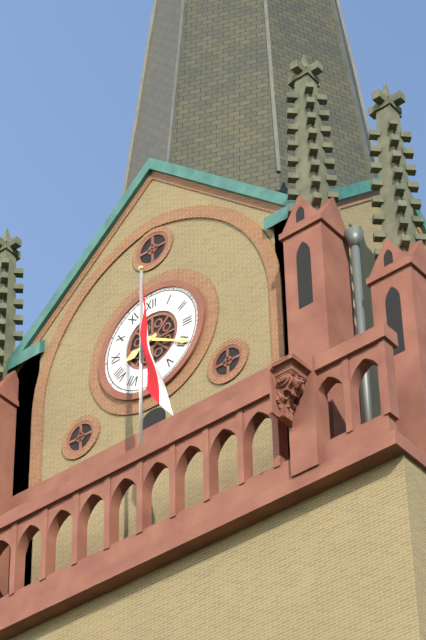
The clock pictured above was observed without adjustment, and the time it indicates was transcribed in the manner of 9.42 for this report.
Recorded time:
8.20
